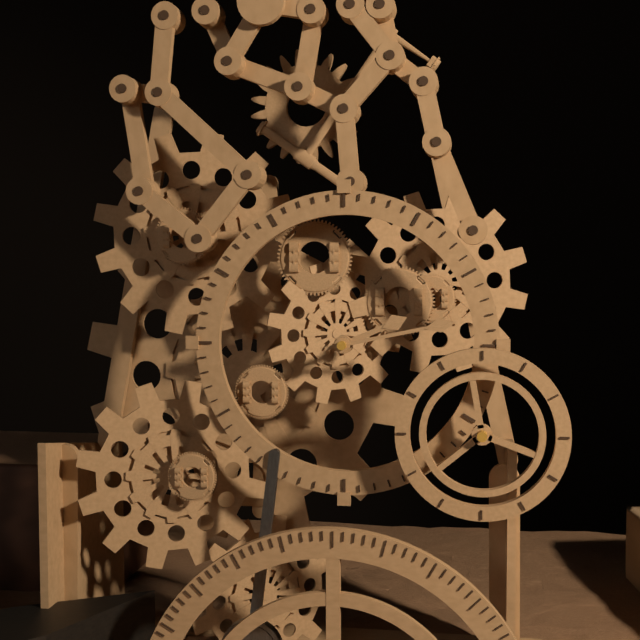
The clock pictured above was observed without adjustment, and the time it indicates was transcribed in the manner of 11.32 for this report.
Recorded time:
2.13
